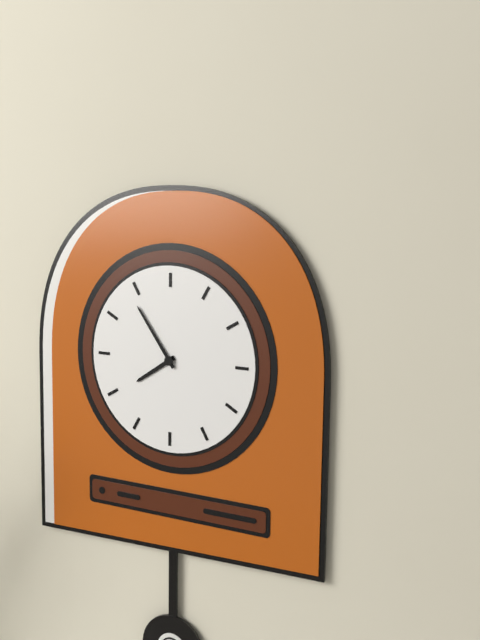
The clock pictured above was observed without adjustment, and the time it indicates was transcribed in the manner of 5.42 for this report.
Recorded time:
7.54
